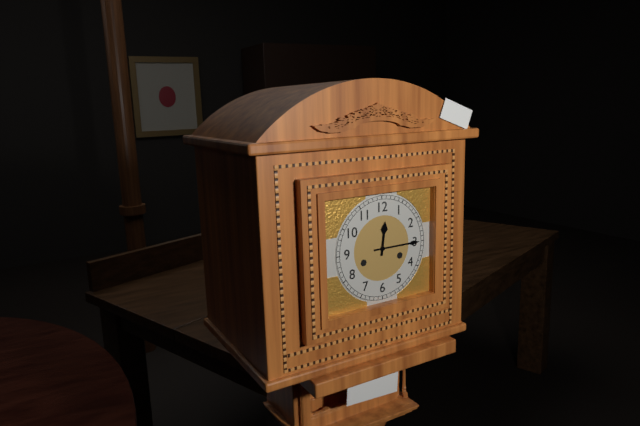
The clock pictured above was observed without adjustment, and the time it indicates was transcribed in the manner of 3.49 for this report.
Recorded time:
12.15
